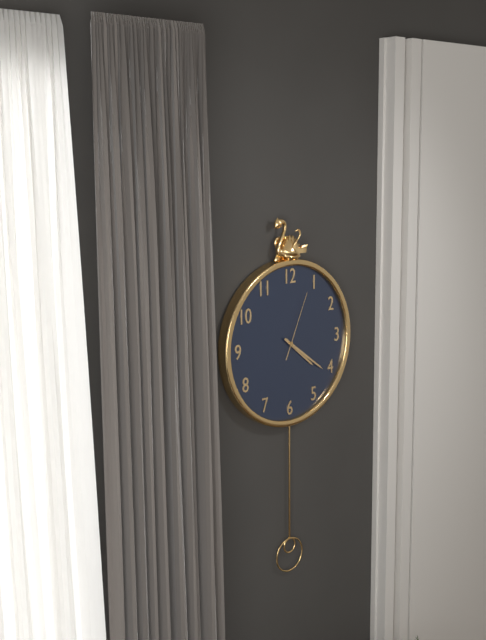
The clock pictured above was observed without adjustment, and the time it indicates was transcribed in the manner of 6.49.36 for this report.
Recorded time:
4.21.04
